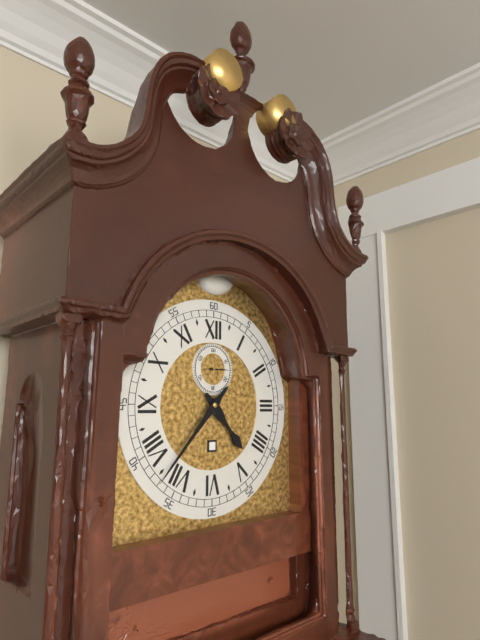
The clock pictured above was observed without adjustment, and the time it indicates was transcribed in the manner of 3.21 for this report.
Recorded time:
4.37
